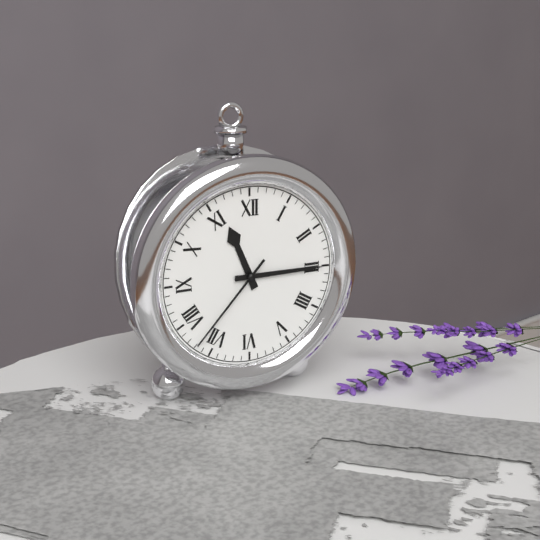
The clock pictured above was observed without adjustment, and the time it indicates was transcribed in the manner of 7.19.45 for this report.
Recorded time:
11.15.37
